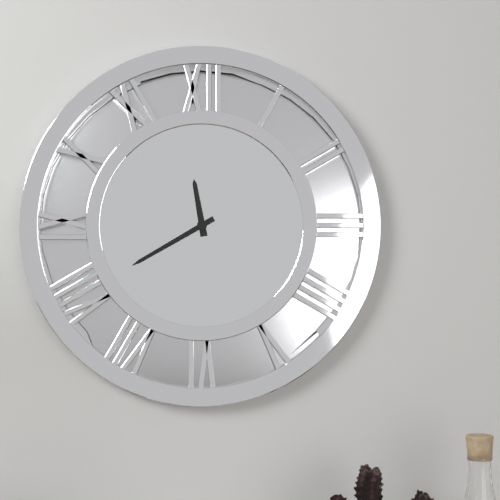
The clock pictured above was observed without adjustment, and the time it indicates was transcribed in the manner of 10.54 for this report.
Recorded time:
11.40
